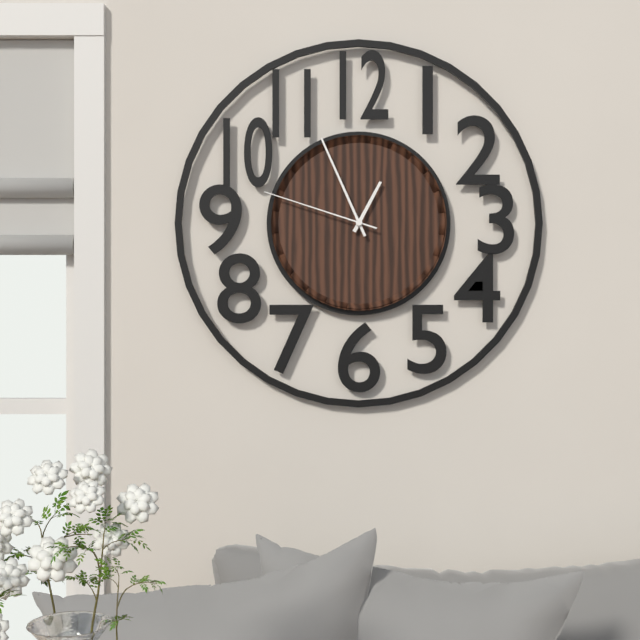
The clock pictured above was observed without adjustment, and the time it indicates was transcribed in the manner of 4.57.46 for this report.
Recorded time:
12.56.48
